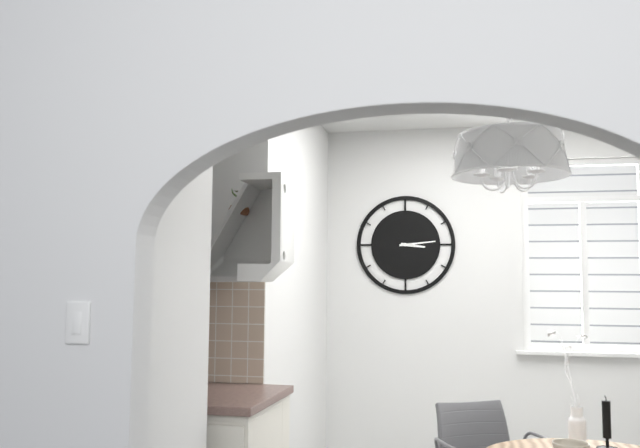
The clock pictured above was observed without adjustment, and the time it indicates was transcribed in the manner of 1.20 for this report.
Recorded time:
3.14
